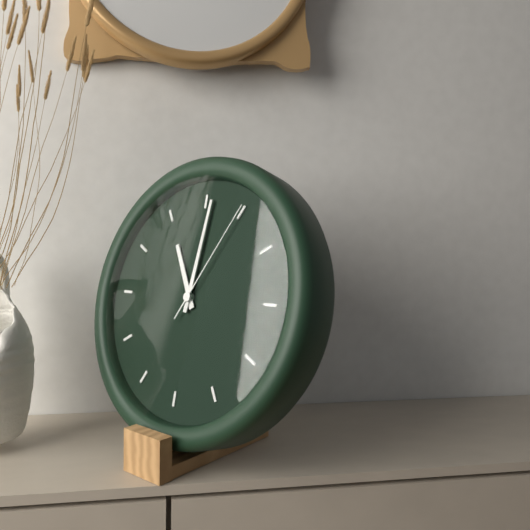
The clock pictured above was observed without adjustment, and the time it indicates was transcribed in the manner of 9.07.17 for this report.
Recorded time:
11.01.05
